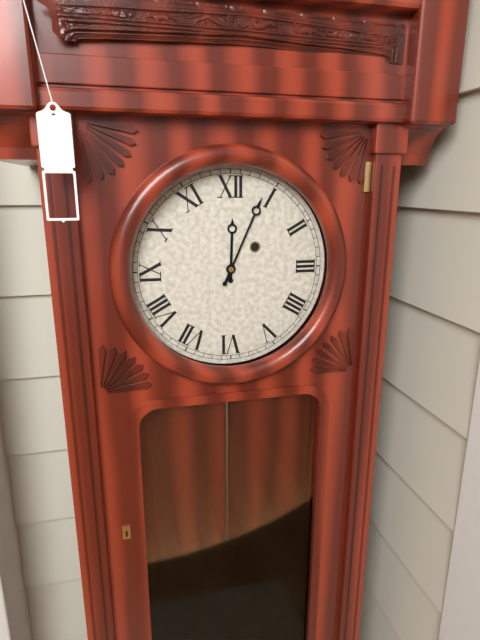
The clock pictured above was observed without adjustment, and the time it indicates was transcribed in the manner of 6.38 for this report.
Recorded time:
12.04
